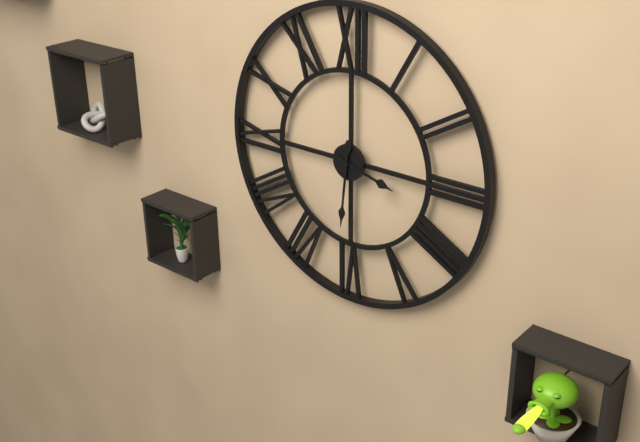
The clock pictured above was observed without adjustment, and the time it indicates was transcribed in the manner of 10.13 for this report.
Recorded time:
3.31
